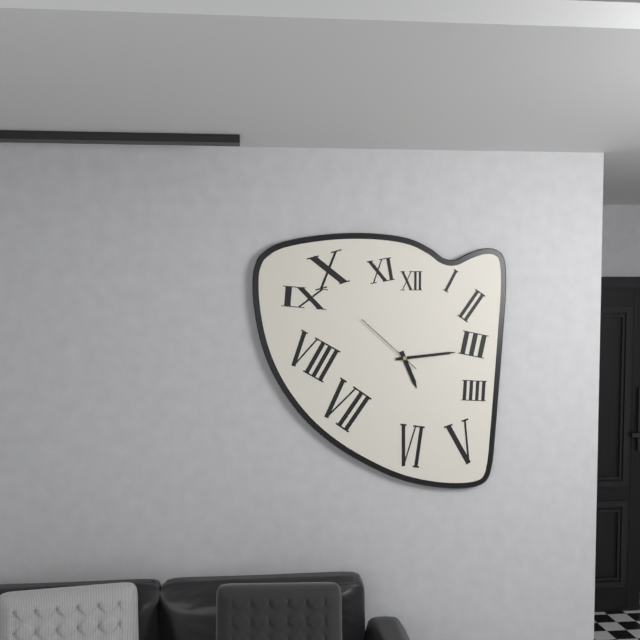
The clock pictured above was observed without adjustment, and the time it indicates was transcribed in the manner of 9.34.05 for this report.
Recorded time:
5.14.52
